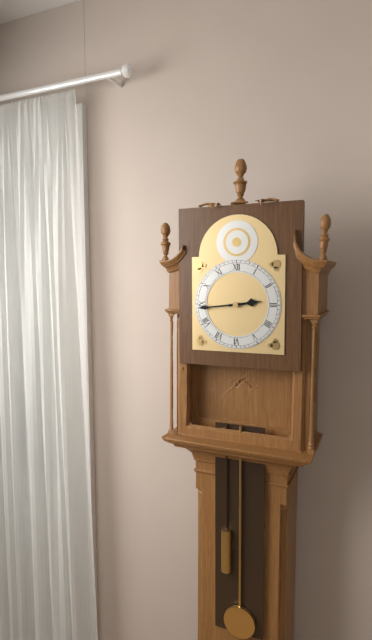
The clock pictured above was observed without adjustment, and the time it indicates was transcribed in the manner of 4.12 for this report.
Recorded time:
2.44
